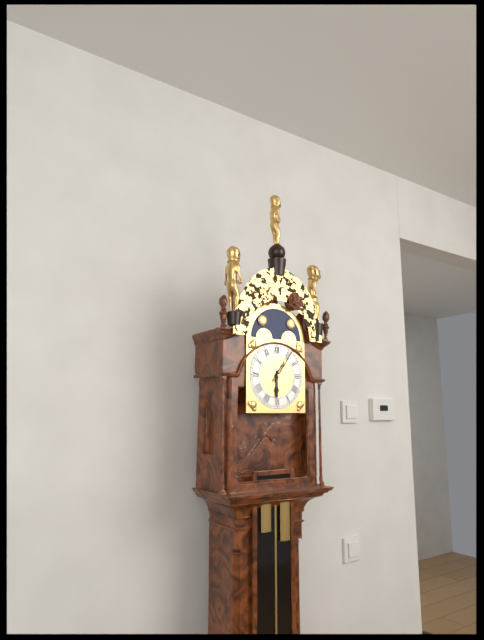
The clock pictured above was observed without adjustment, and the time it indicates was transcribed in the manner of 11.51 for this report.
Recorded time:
6.06
